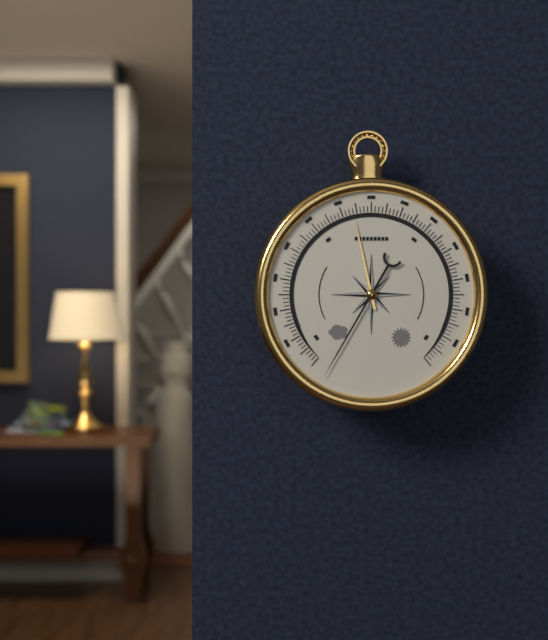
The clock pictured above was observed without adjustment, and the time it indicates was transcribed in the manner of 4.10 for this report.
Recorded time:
11.35
